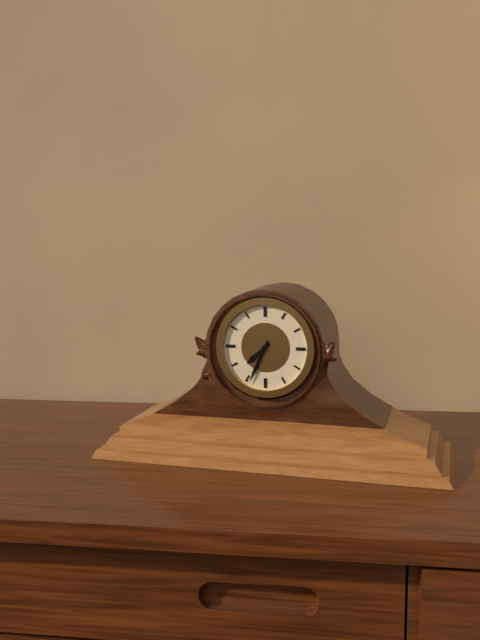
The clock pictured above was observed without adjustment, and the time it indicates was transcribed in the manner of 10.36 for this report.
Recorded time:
7.34
